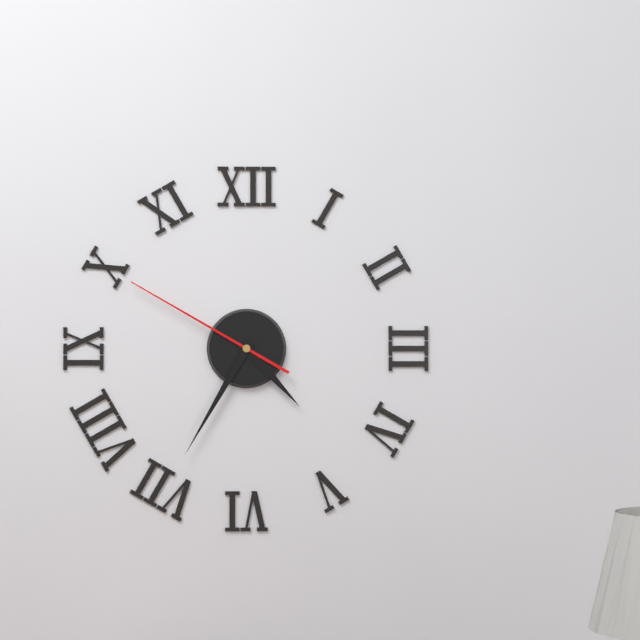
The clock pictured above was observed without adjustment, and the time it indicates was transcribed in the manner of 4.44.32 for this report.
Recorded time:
4.35.50
